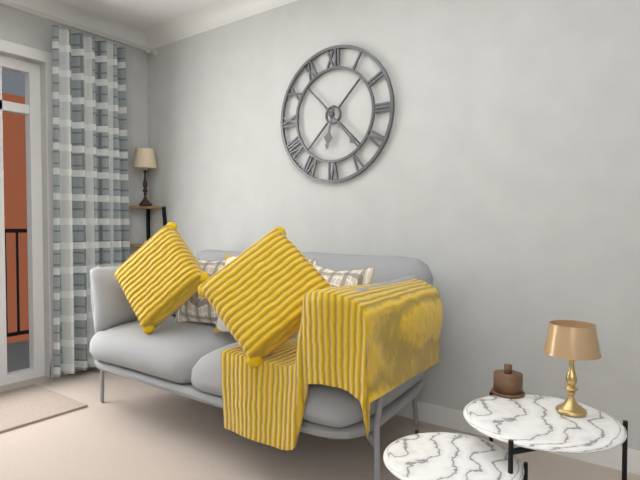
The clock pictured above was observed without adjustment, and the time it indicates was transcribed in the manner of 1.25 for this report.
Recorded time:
6.23
